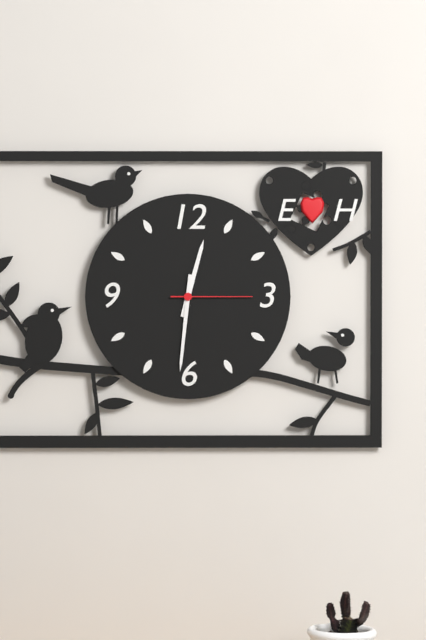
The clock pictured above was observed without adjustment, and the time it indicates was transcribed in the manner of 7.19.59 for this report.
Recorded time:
12.31.15
